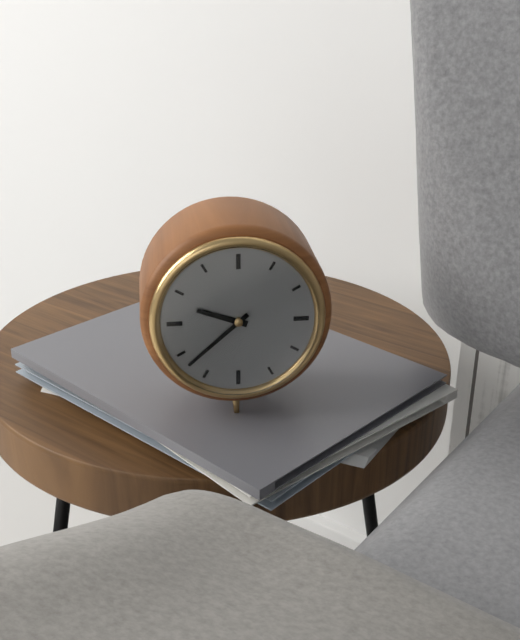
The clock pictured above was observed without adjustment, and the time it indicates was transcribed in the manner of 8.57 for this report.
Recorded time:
9.38
